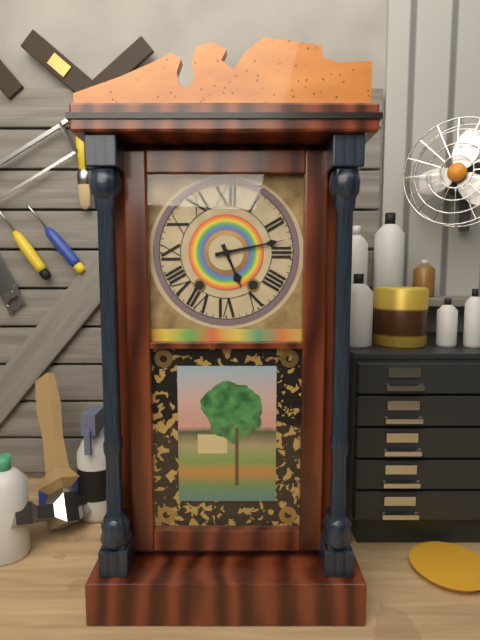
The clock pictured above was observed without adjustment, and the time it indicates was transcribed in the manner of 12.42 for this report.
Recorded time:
5.13
